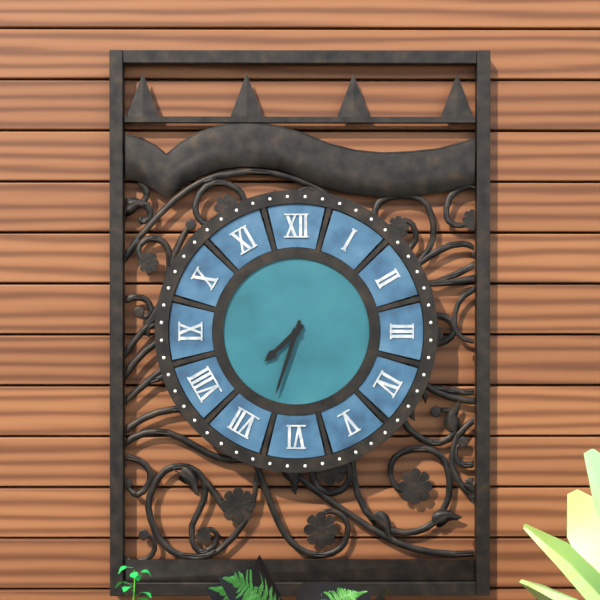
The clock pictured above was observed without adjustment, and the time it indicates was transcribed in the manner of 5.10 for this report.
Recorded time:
7.33
